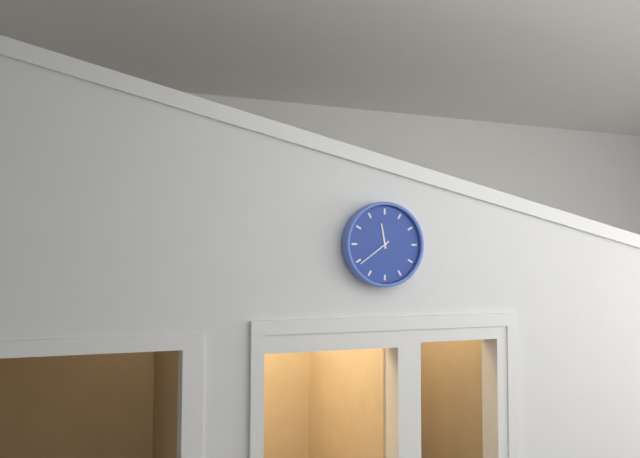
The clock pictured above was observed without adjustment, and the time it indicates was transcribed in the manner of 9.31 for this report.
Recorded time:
11.39
